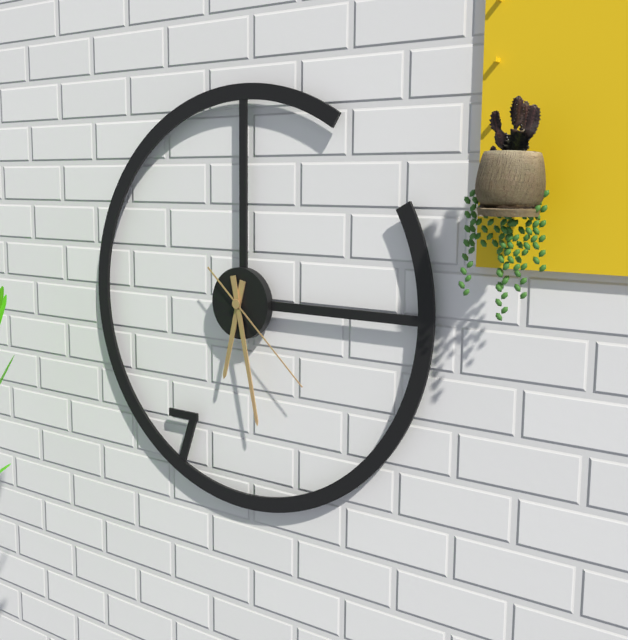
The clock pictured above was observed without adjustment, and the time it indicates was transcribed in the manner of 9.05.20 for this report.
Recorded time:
6.28.22
